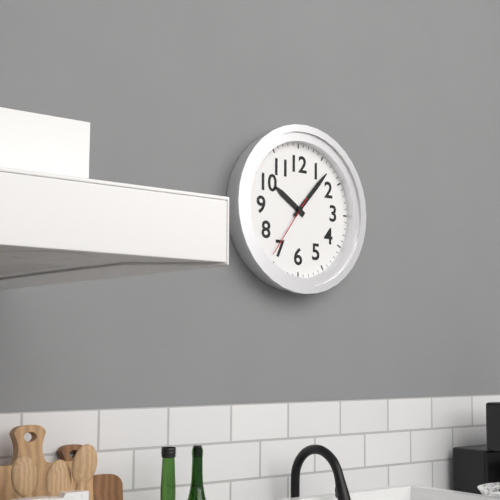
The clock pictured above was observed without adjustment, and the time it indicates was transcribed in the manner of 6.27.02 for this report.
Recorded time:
10.07.36
